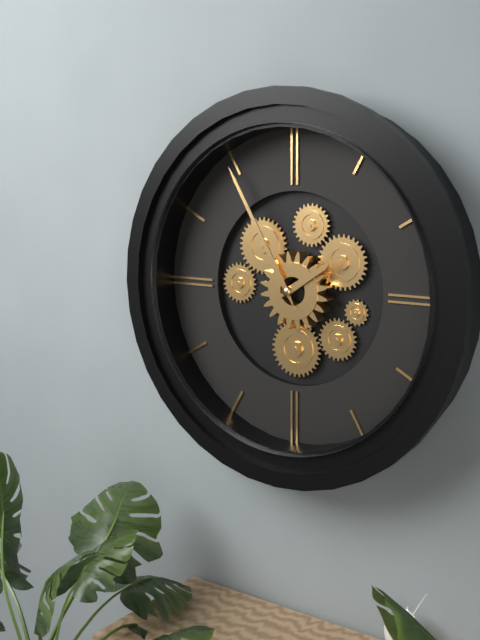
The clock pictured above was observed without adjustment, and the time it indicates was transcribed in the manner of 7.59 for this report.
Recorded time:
1.55
